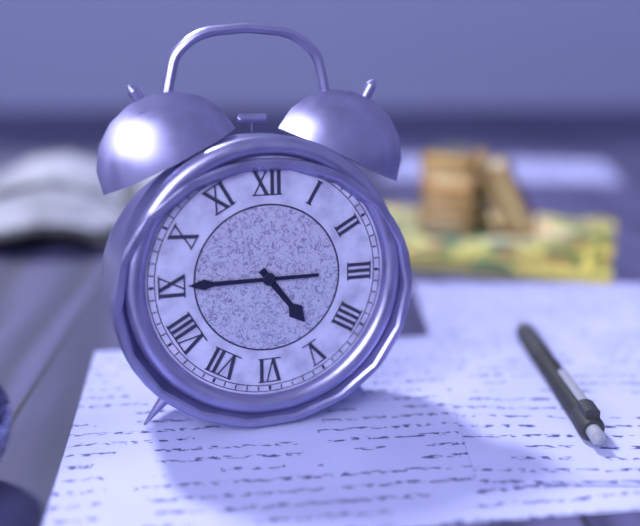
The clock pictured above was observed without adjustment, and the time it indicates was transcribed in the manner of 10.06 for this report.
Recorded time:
4.45
